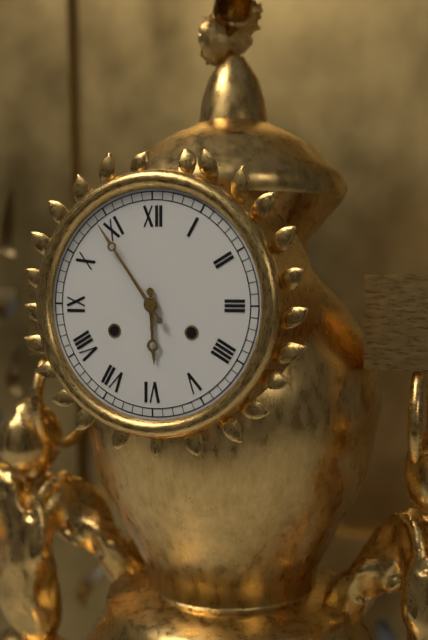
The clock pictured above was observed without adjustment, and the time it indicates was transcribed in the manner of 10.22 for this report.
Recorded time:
5.54
